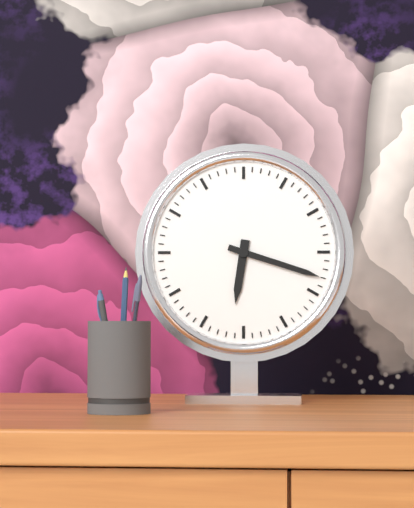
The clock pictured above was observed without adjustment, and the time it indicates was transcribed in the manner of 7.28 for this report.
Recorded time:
6.18
